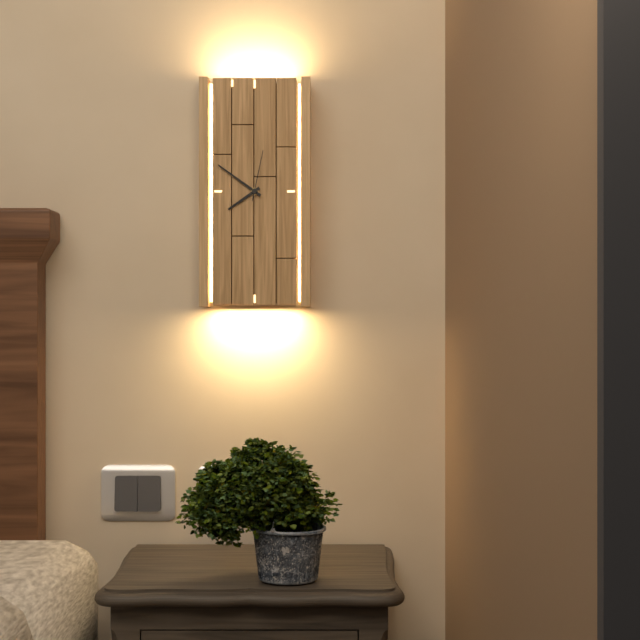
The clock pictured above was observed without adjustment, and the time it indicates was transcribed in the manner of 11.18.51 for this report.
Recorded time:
7.51.02
